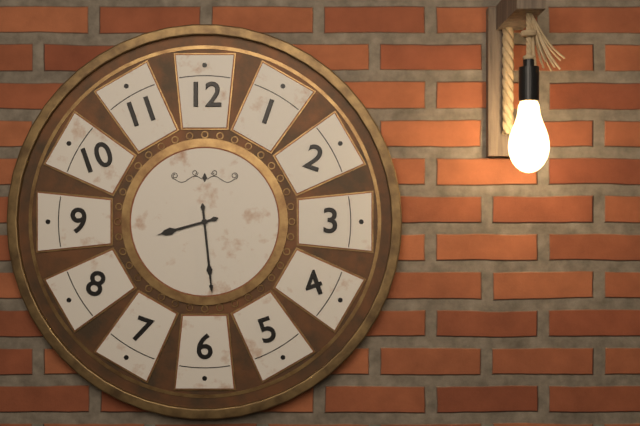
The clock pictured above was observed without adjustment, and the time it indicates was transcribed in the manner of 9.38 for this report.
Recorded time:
8.29
